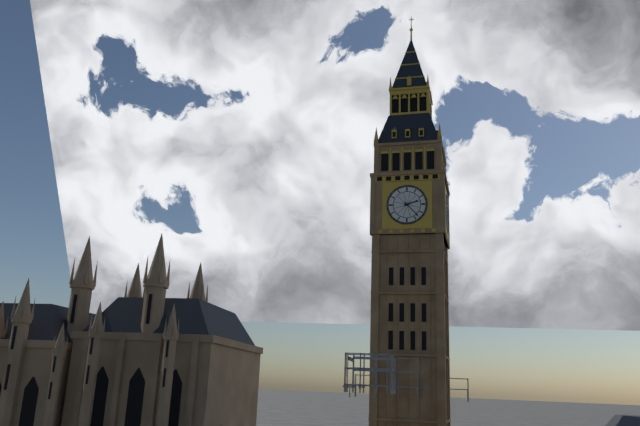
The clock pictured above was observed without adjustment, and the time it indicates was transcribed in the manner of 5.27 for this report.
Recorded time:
2.23
